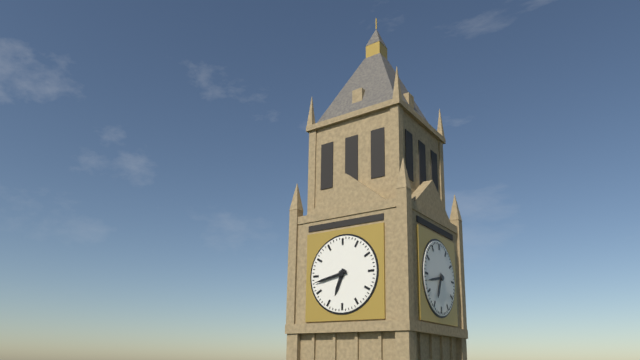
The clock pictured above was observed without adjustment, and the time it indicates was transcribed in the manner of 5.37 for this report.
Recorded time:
6.43
